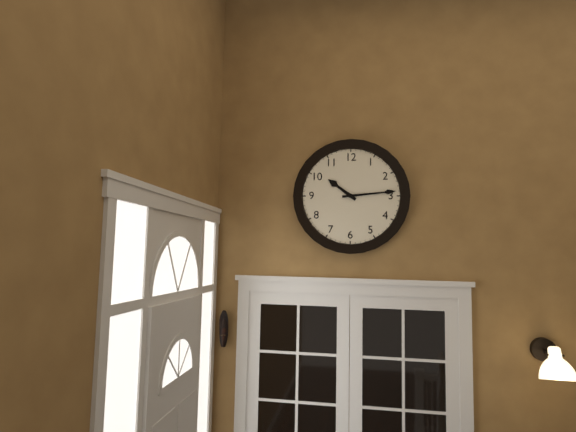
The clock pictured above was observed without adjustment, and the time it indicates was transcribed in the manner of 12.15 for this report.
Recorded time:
10.14
